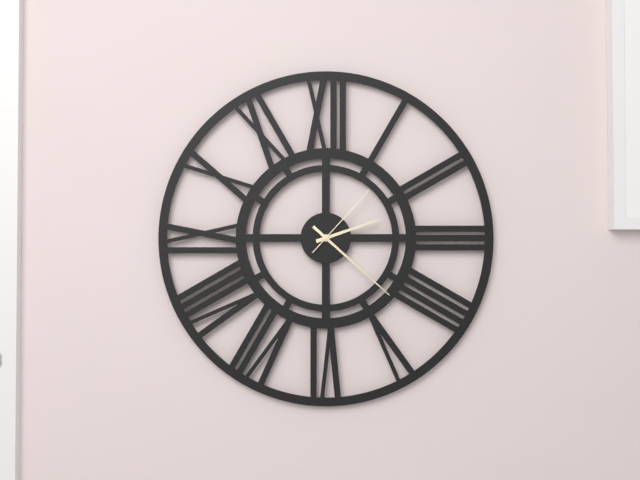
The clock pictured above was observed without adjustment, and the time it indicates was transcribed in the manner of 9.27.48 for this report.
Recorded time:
2.22.07
